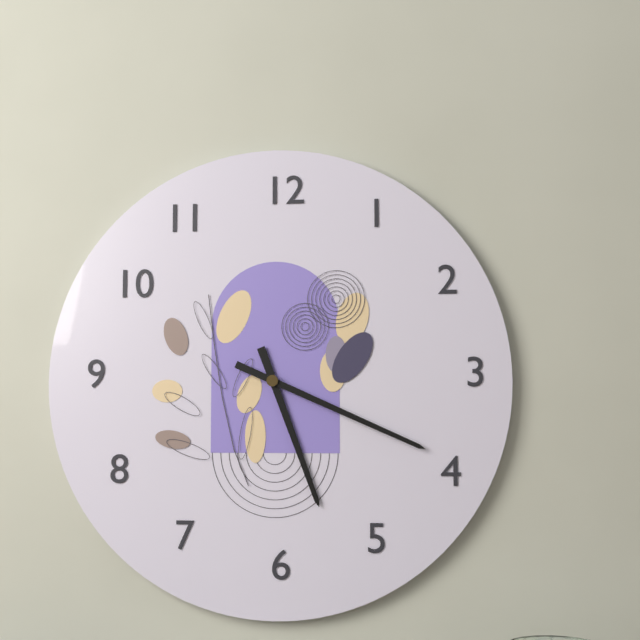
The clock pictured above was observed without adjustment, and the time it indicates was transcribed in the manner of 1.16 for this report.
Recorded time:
5.19
